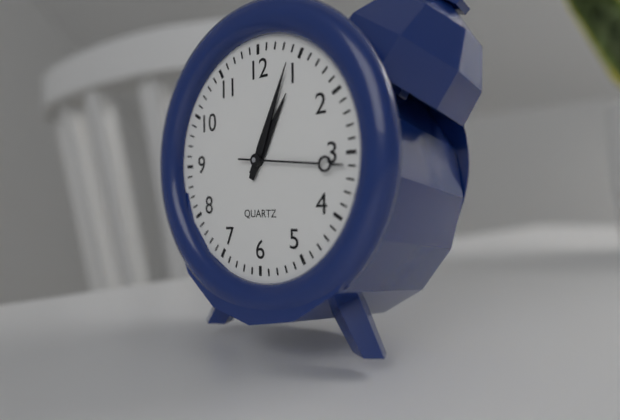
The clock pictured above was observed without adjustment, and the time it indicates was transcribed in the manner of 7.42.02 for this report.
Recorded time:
1.04.16
